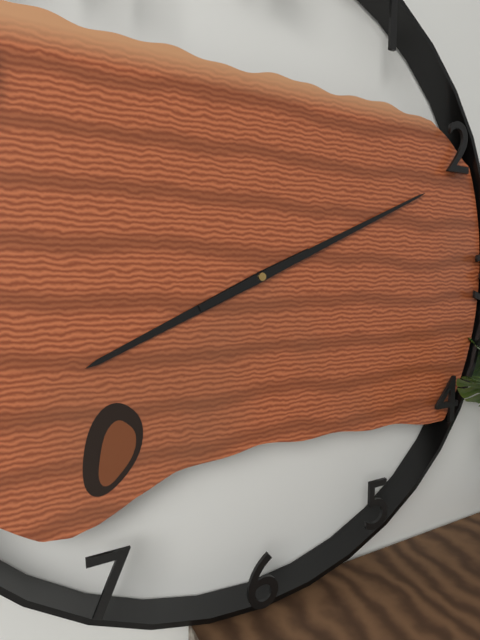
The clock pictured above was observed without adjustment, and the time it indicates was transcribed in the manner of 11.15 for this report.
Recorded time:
8.11
